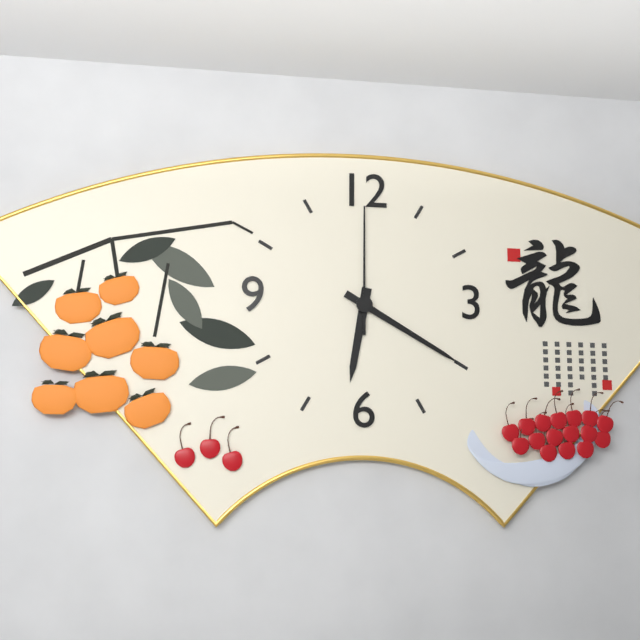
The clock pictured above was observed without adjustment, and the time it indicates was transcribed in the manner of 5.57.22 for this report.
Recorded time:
6.20.00
